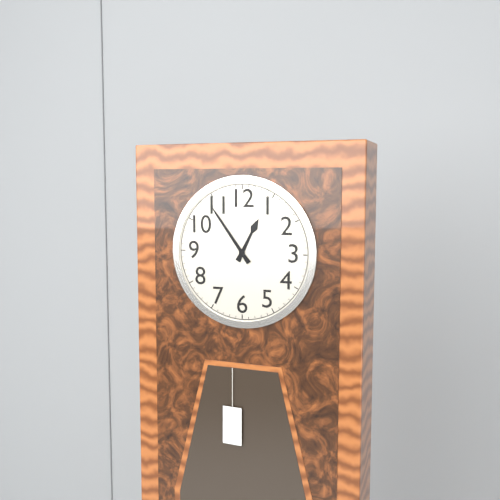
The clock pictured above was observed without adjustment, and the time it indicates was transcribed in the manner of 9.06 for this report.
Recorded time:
12.54
